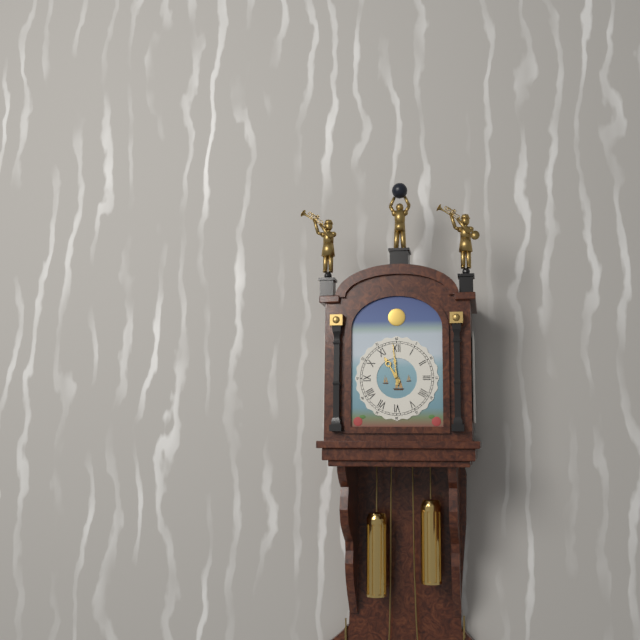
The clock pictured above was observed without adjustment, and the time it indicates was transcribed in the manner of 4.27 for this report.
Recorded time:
10.59
